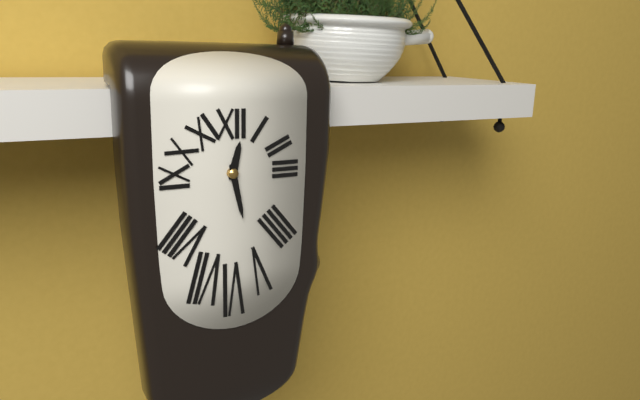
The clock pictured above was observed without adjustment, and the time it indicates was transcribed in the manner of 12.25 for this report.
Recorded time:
12.28
